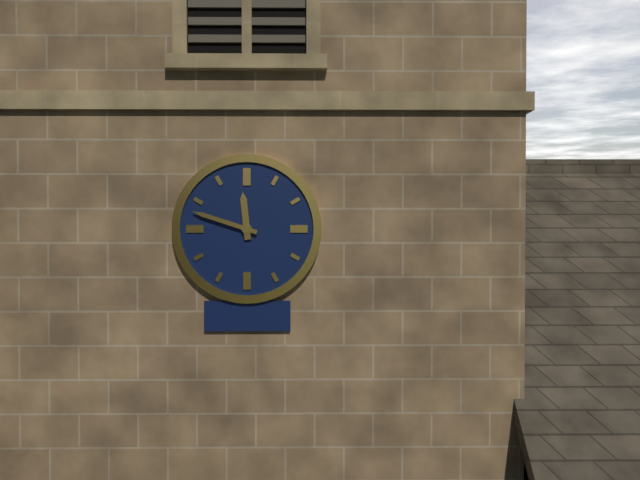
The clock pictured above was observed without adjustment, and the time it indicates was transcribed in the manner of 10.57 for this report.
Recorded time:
11.48
